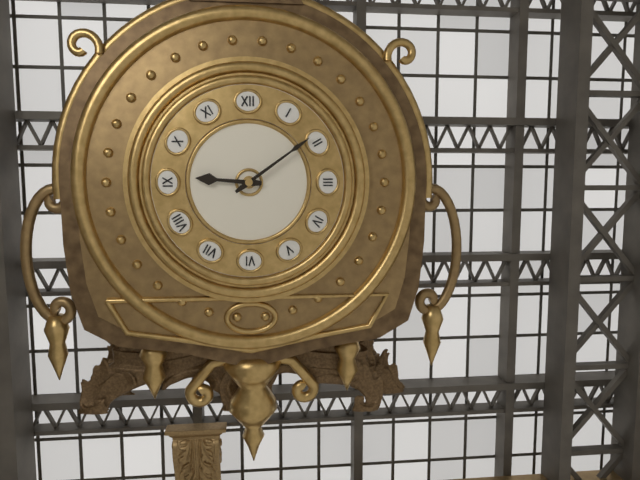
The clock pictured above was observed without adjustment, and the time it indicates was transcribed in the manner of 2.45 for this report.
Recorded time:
9.09
